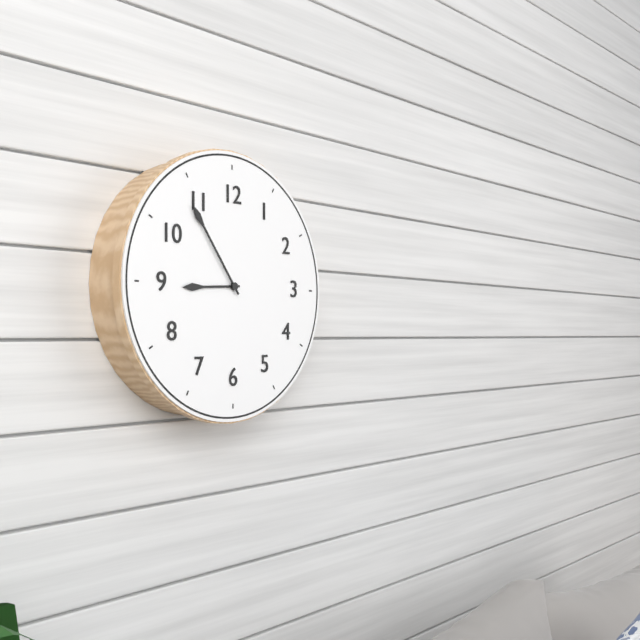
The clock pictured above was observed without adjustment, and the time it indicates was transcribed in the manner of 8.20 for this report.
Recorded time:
8.54
